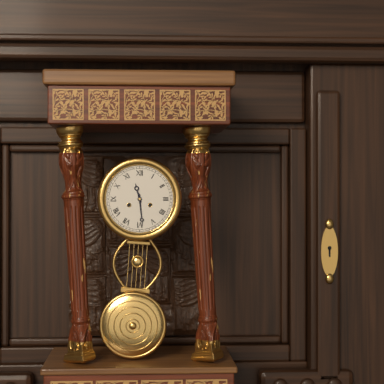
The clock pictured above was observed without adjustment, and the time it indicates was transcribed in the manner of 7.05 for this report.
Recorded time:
11.29
